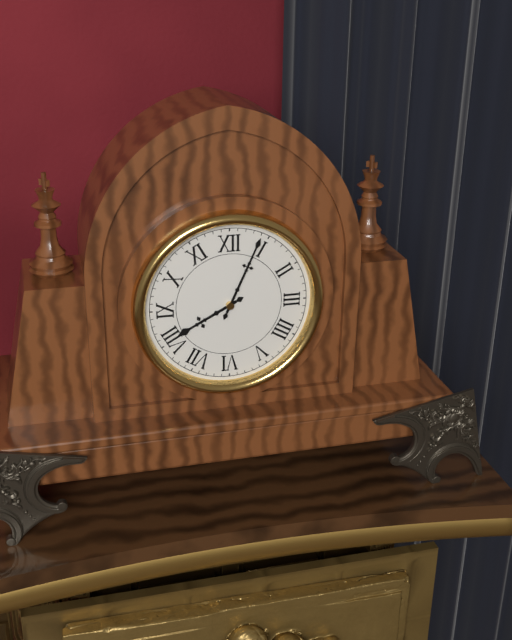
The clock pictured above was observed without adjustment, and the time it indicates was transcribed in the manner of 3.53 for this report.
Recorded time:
8.04
